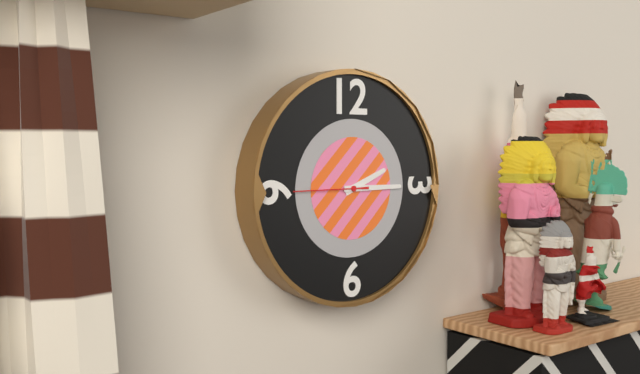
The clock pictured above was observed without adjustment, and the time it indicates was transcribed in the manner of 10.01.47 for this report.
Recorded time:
2.15.45
